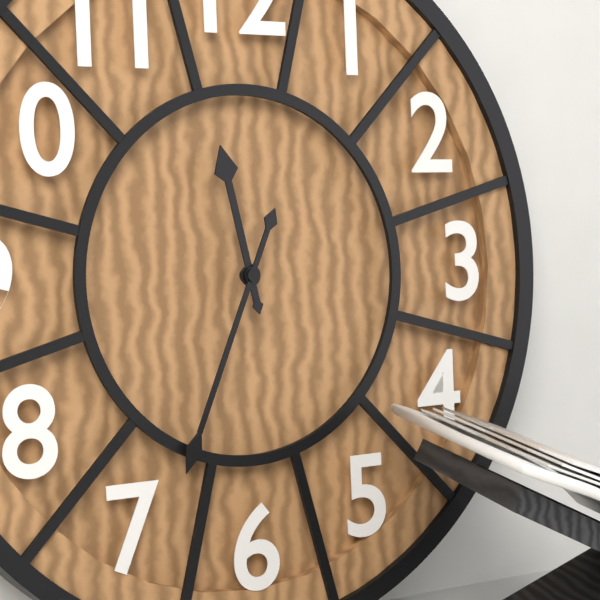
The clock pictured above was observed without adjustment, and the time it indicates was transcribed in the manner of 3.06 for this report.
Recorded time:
11.34
